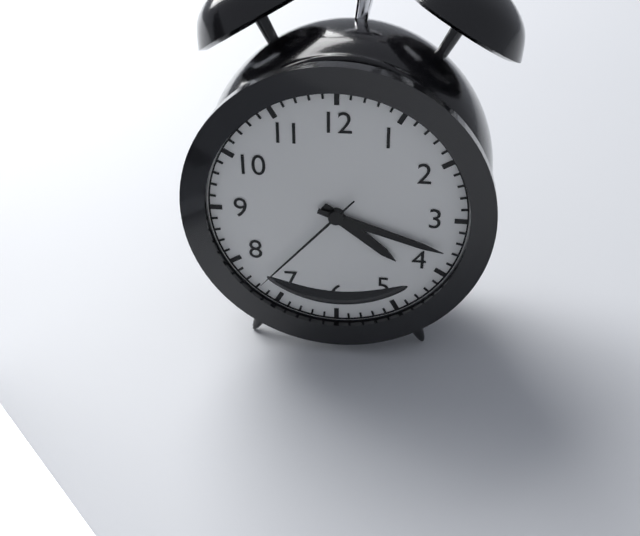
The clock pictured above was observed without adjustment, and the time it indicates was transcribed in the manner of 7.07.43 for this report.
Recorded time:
4.18.37
